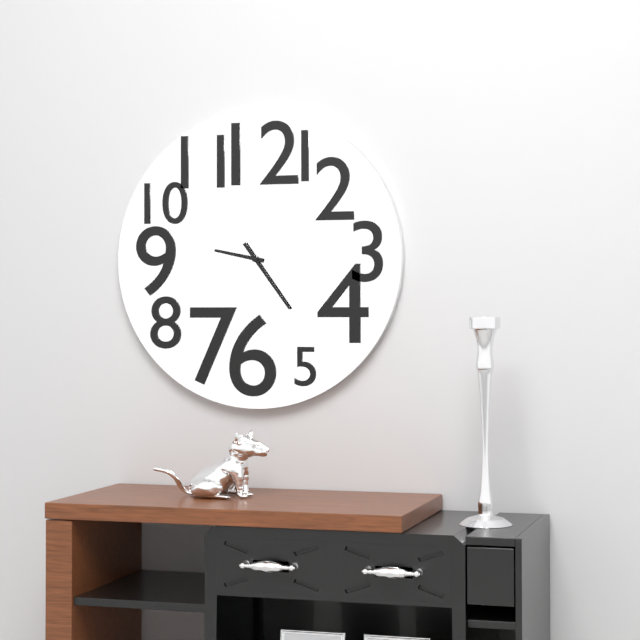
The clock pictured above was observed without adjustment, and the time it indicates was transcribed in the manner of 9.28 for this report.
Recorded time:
9.24
